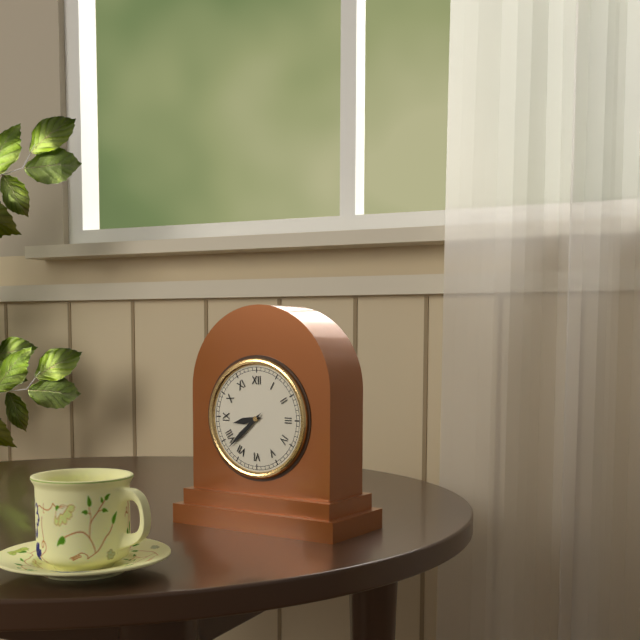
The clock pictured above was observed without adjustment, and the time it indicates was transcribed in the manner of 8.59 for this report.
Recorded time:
8.38
